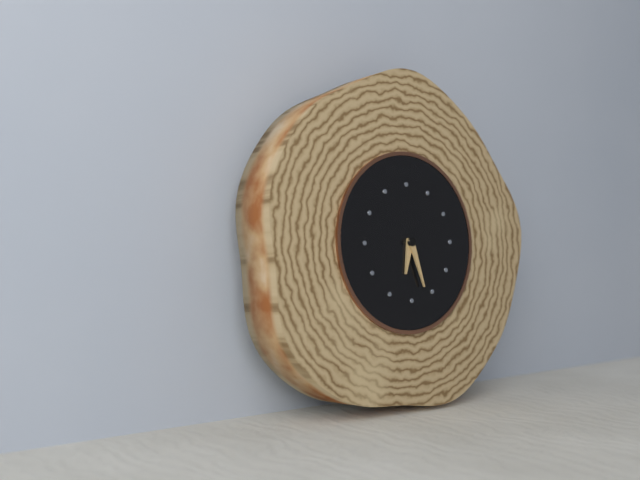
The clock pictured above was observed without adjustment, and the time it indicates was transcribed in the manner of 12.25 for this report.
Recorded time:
6.27
